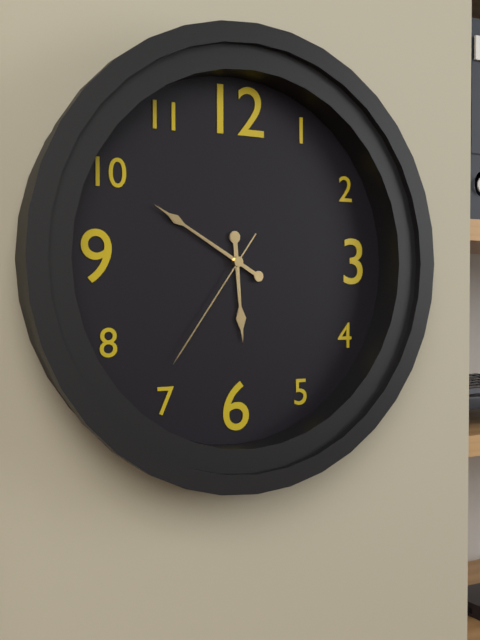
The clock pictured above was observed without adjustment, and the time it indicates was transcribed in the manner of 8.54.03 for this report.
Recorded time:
5.50.36
